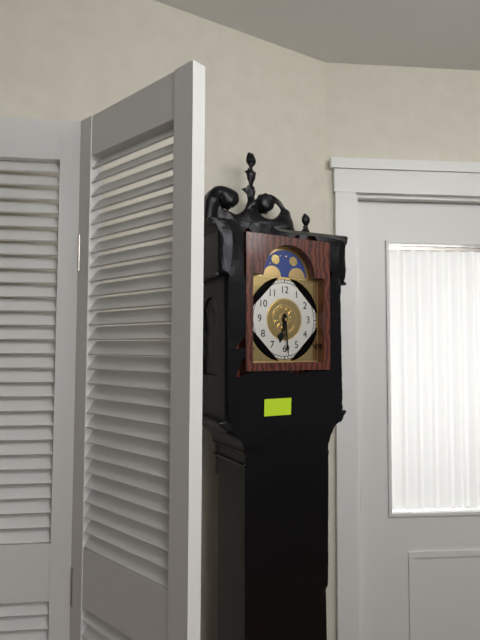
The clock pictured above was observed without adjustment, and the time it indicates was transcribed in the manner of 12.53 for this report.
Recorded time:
6.29
